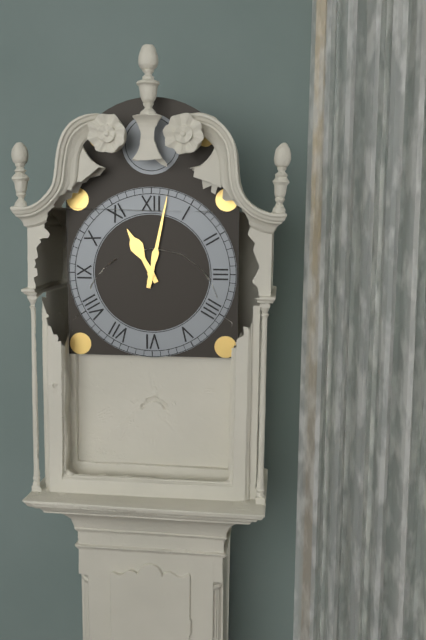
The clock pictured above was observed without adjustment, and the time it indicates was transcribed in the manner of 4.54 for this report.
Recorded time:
11.02
